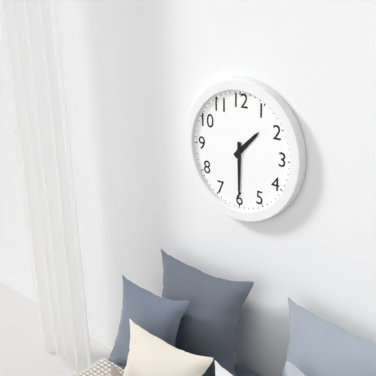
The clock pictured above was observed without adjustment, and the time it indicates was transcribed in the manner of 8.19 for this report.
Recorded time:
1.30
